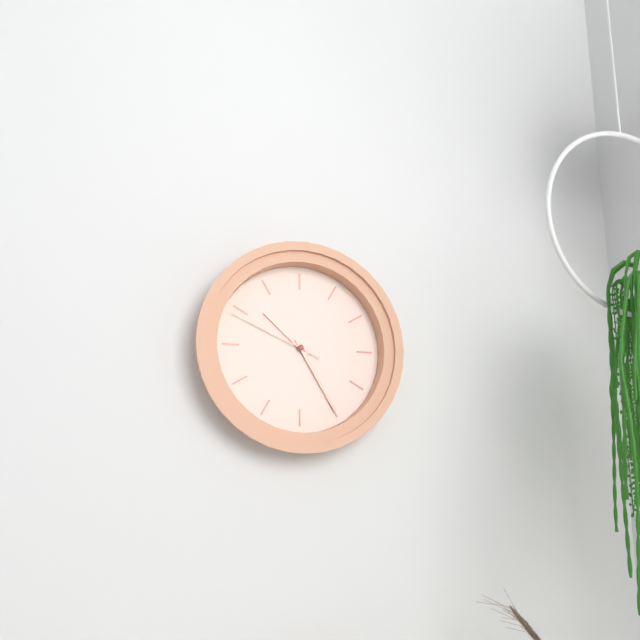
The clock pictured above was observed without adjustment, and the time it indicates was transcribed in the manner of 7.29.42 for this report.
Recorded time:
10.25.49
